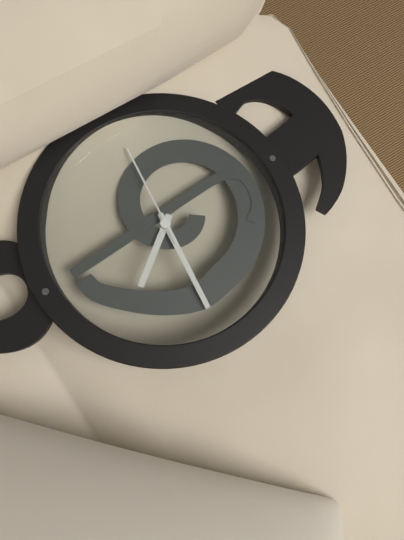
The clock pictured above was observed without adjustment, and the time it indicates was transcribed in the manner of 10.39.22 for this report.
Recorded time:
10.46.16
